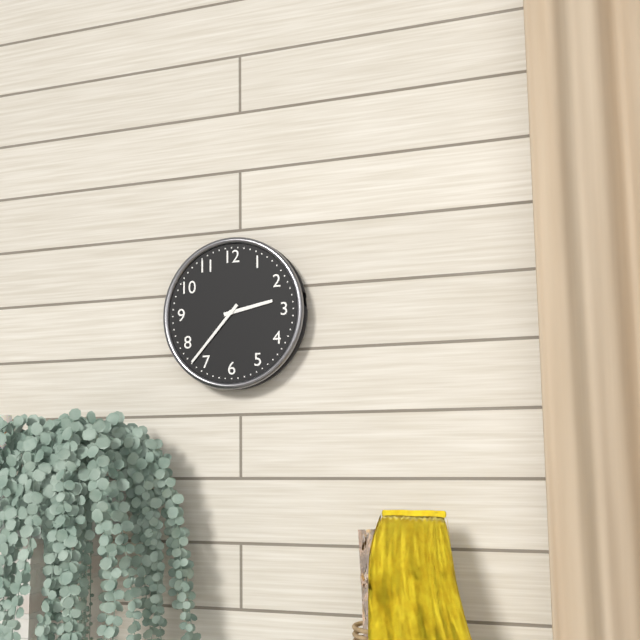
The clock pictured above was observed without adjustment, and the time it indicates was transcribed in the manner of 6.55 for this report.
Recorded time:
2.37
